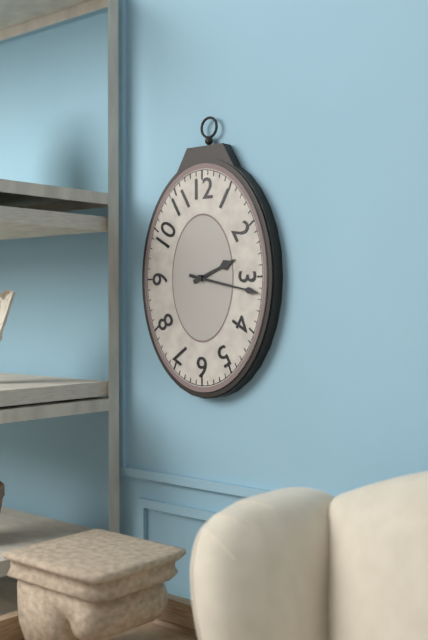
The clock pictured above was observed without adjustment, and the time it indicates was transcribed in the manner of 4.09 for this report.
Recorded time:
2.17
